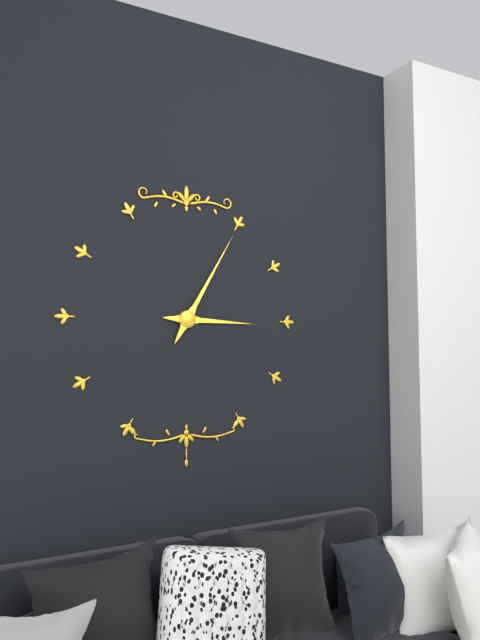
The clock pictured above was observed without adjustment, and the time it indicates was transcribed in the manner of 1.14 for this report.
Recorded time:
3.05
